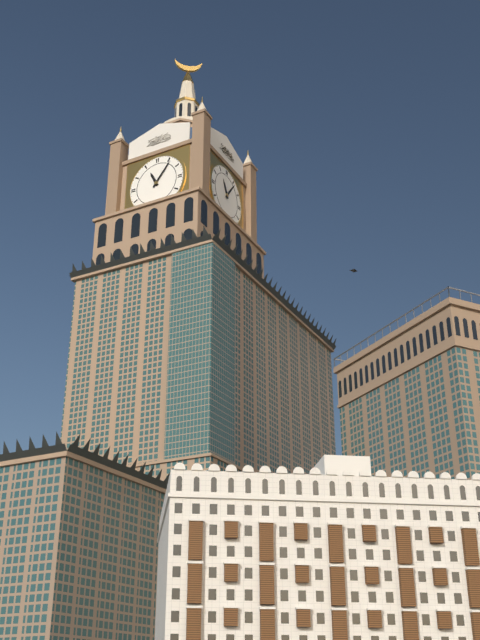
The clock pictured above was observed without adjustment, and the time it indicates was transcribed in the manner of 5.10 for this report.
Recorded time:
11.06
